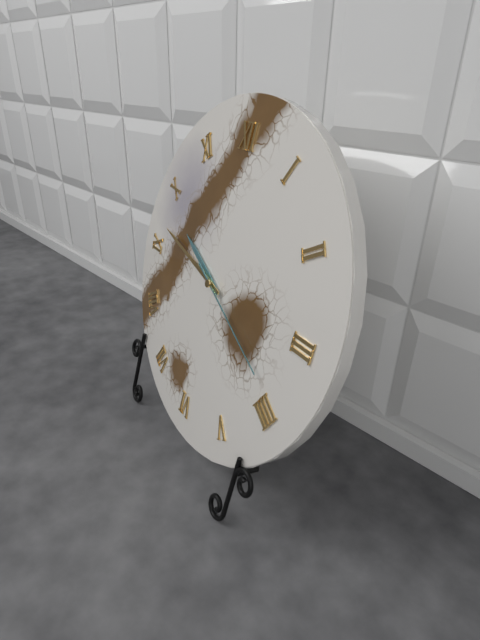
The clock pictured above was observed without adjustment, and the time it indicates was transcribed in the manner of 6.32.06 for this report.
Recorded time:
9.47.19
